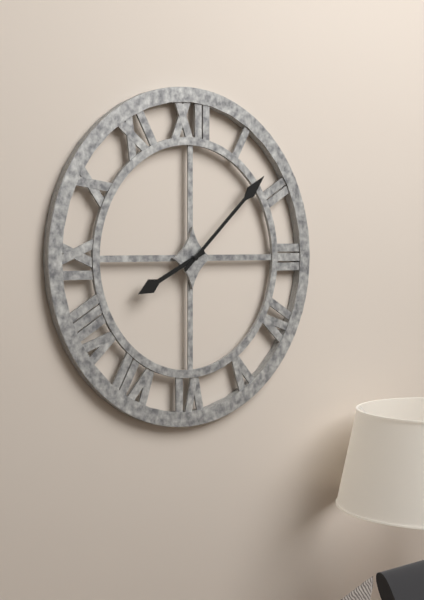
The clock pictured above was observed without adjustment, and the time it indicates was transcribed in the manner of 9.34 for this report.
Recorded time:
8.08
